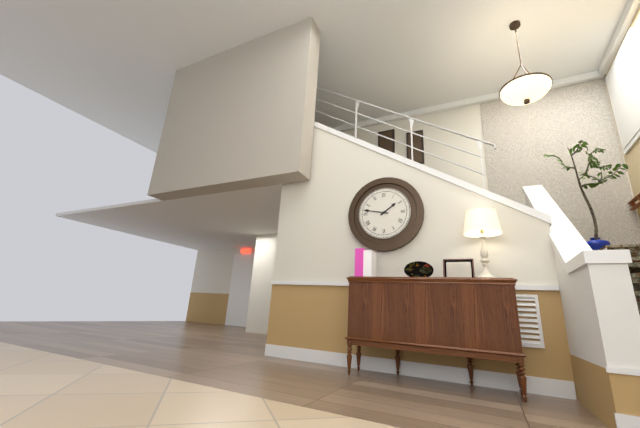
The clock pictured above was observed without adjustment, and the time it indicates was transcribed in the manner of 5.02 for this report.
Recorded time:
1.47
